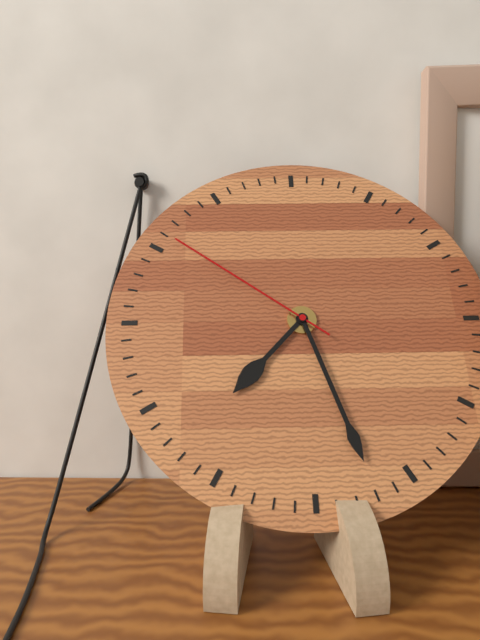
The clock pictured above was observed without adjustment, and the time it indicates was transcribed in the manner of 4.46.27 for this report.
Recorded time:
7.27.51
